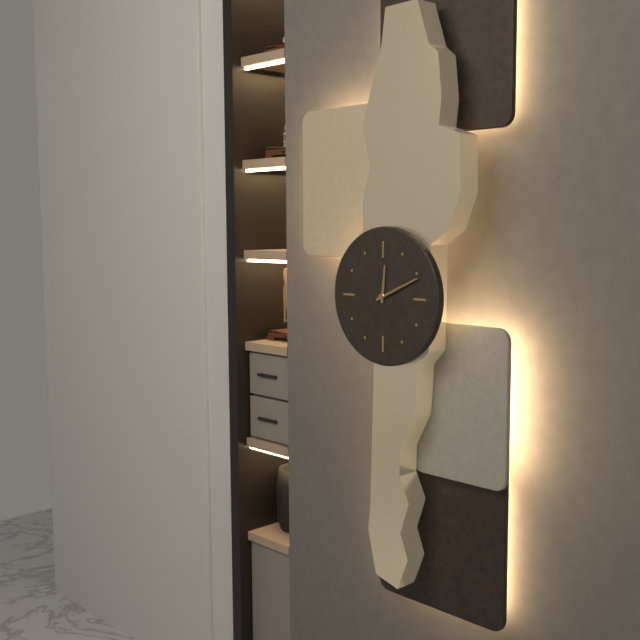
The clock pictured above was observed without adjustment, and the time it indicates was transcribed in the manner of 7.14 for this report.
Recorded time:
12.11
